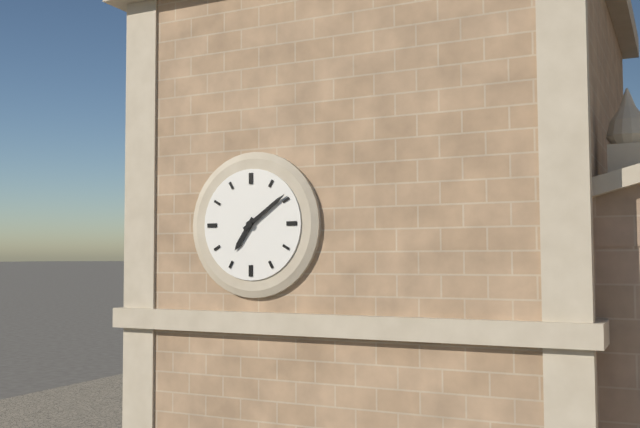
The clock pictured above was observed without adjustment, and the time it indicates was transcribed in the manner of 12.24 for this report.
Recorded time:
7.09
